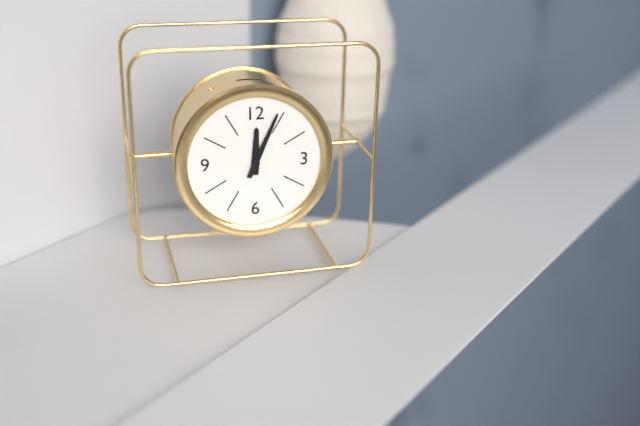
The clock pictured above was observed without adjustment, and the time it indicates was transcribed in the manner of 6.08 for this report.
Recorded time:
12.04
